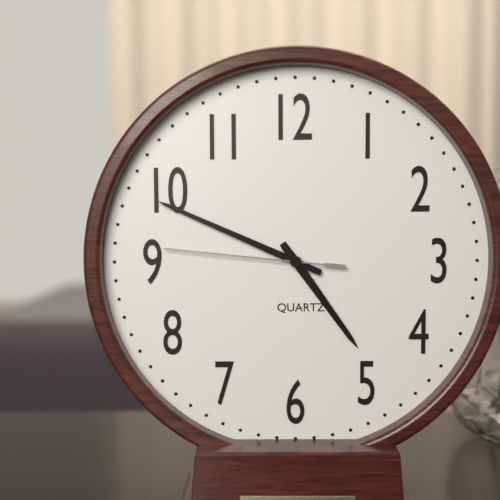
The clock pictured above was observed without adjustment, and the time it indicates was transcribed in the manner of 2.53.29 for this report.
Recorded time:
4.49.46
